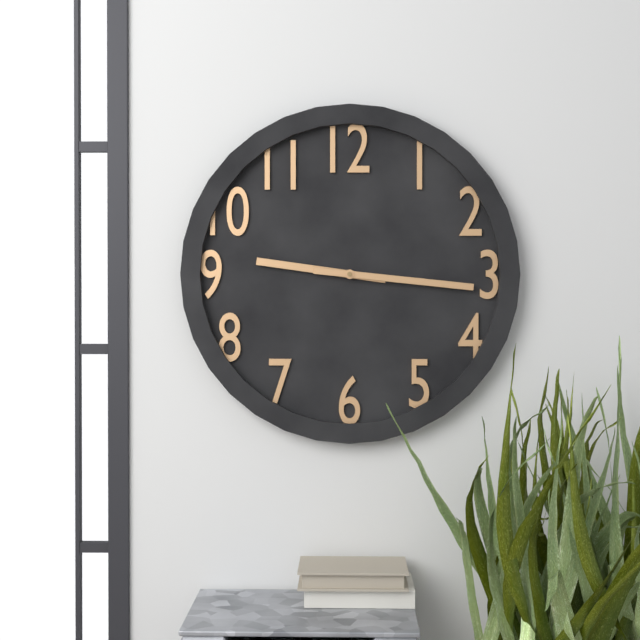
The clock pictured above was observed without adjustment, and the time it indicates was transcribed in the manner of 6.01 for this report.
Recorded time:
9.16
